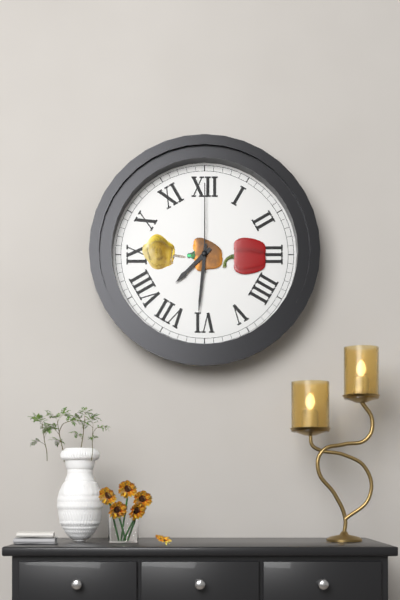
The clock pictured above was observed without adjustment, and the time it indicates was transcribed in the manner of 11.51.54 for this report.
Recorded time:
7.31.00
